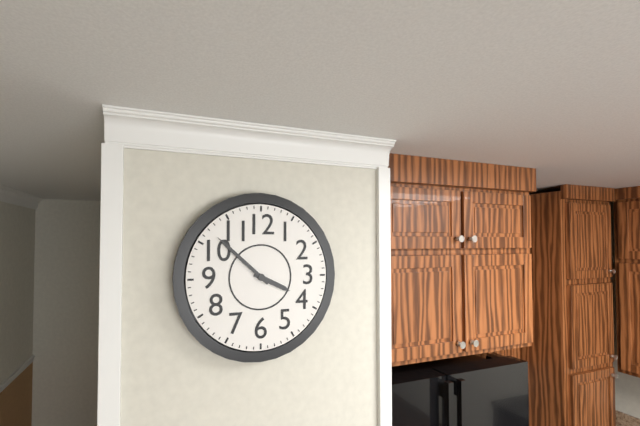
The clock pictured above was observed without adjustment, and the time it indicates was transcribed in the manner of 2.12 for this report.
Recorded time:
3.52
